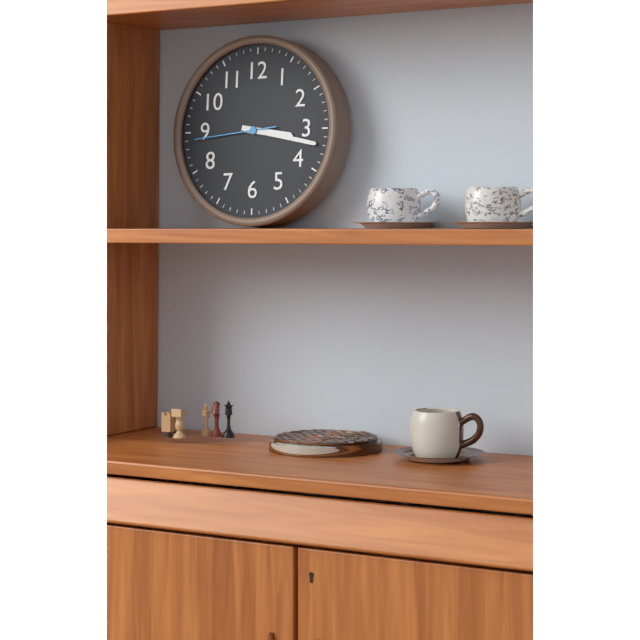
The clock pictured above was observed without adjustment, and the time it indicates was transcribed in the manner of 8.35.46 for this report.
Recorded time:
3.17.44
